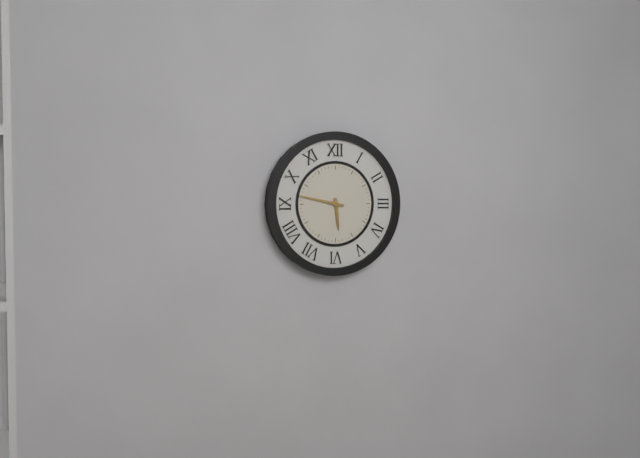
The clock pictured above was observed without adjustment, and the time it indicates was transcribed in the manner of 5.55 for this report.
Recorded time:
5.47
